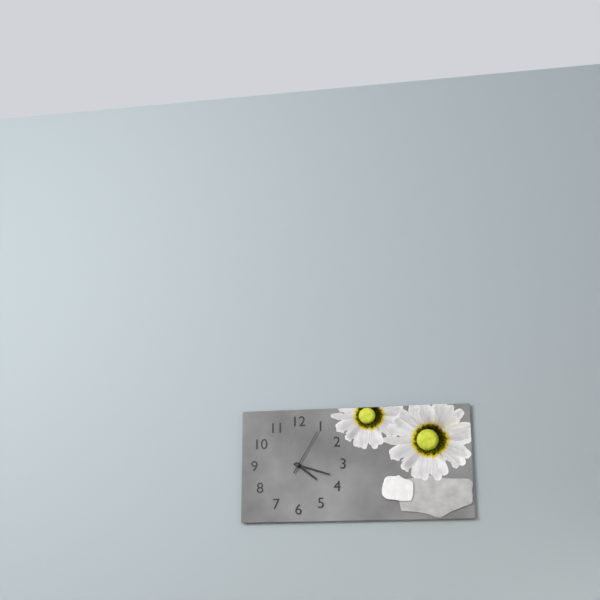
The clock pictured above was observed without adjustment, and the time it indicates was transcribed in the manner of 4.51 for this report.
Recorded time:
4.18
